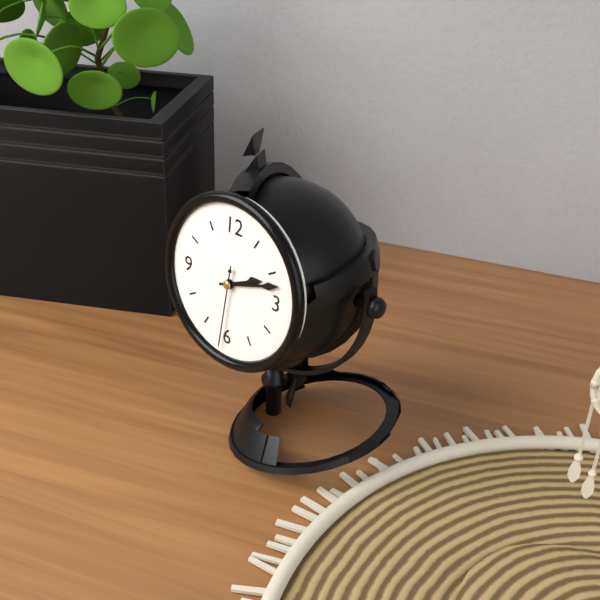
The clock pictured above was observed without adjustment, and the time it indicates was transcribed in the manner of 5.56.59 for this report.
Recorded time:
2.12.31
